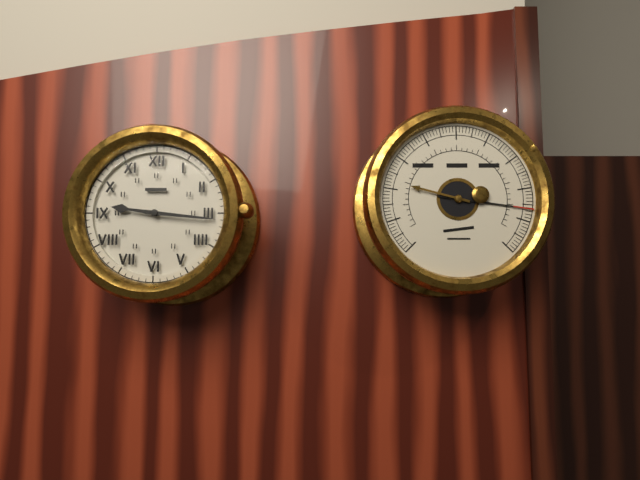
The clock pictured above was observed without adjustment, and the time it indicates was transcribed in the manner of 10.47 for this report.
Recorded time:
9.16
